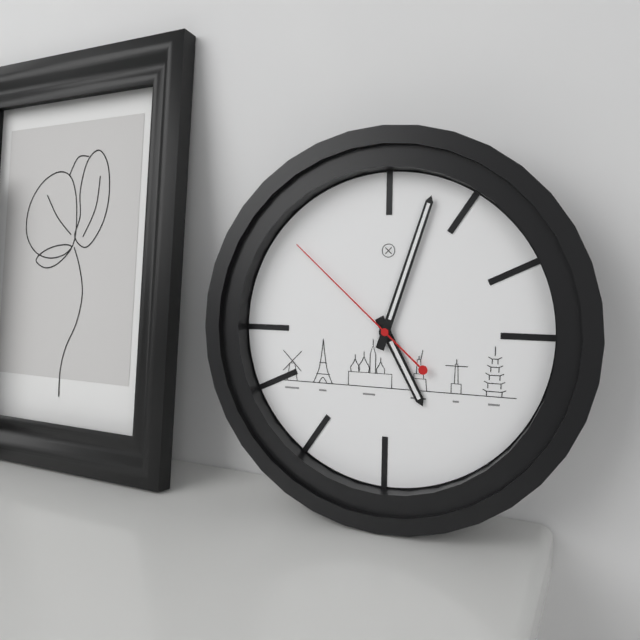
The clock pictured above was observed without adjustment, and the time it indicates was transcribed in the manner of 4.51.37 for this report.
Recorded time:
5.03.52
